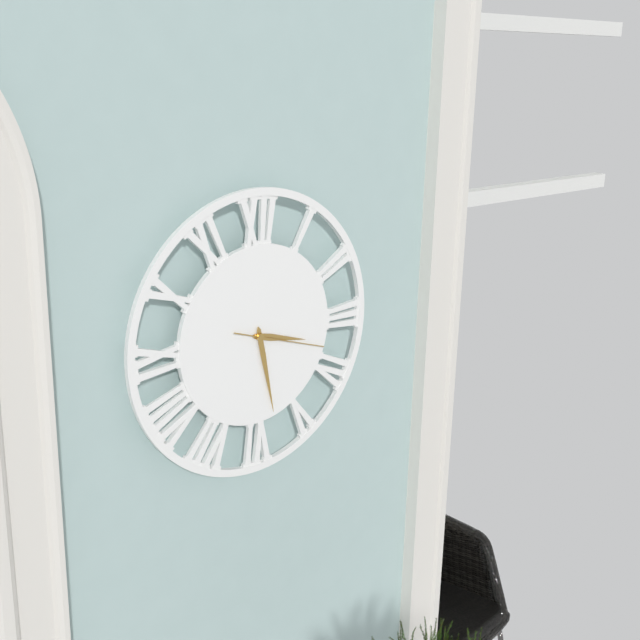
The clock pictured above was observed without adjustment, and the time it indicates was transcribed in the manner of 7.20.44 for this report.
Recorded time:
3.28.18
